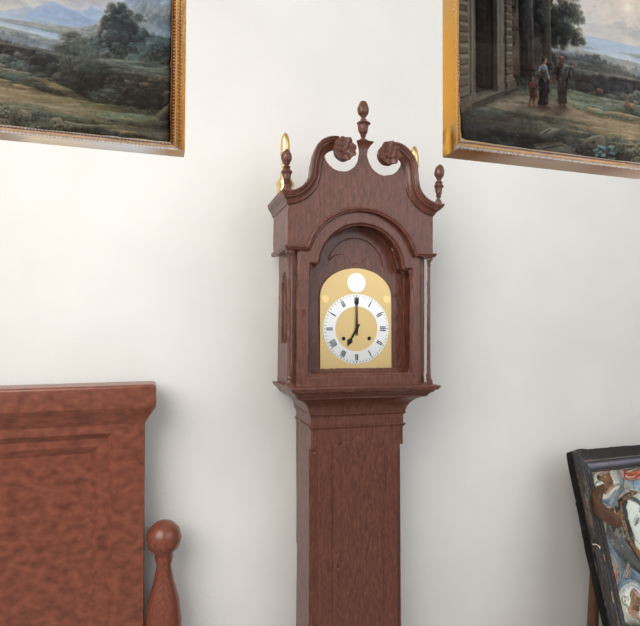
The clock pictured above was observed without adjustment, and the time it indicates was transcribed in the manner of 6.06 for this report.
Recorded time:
7.00
